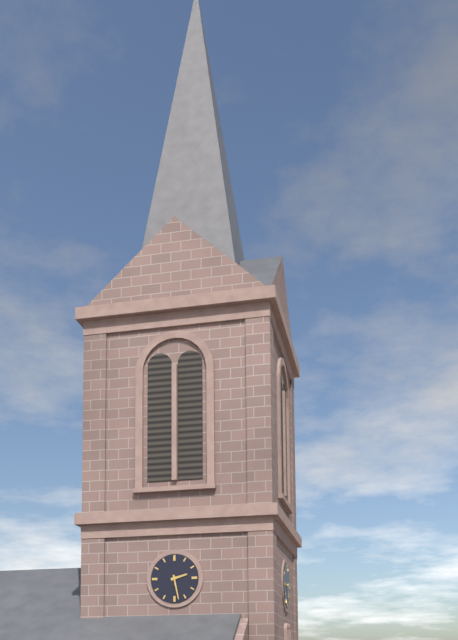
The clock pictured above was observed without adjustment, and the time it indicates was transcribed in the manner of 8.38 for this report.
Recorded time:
2.28
